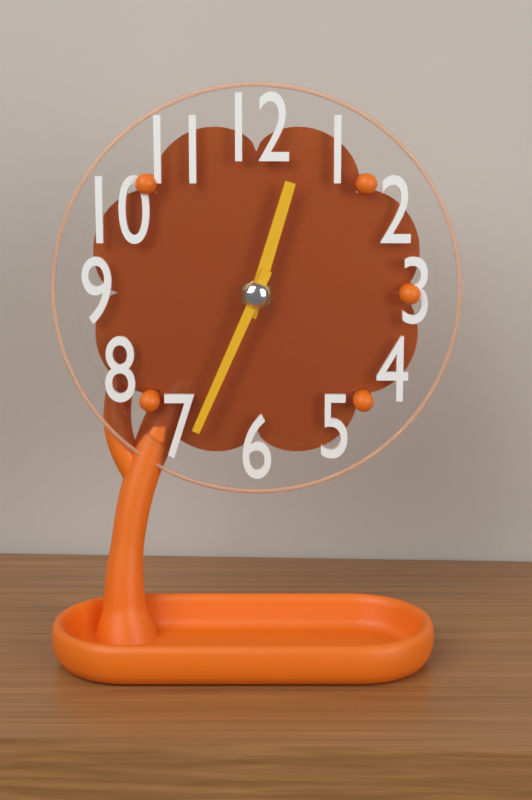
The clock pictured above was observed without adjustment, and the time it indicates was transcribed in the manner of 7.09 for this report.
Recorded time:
12.34
